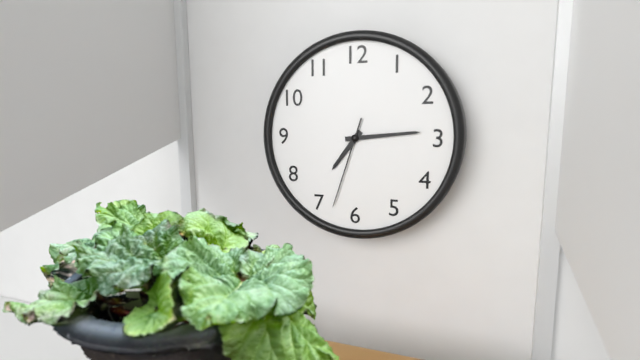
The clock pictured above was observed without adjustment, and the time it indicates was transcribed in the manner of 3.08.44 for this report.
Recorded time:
7.14.33
